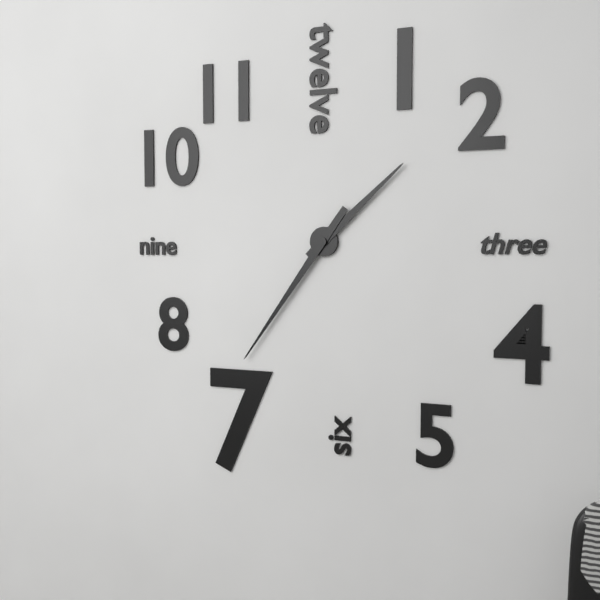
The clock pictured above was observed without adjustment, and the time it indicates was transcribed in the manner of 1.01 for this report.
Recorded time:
1.36
